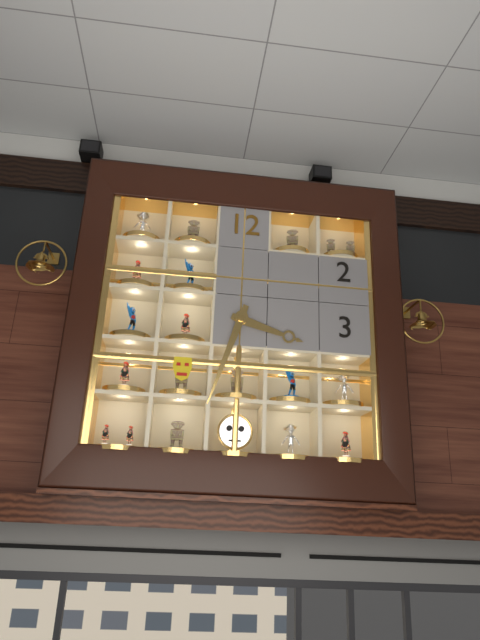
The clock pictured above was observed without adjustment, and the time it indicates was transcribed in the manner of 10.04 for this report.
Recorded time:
3.33
